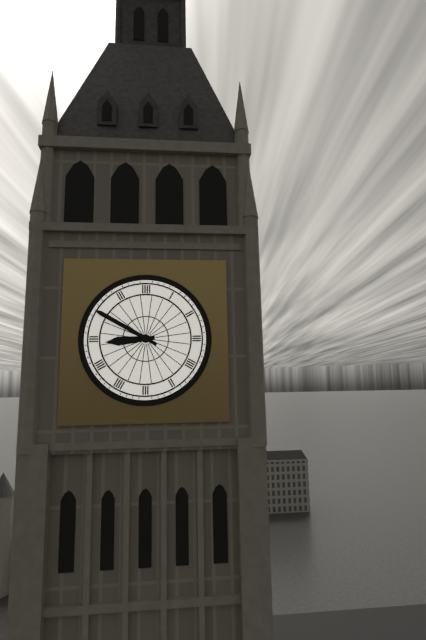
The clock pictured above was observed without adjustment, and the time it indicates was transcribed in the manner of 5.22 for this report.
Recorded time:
8.50
